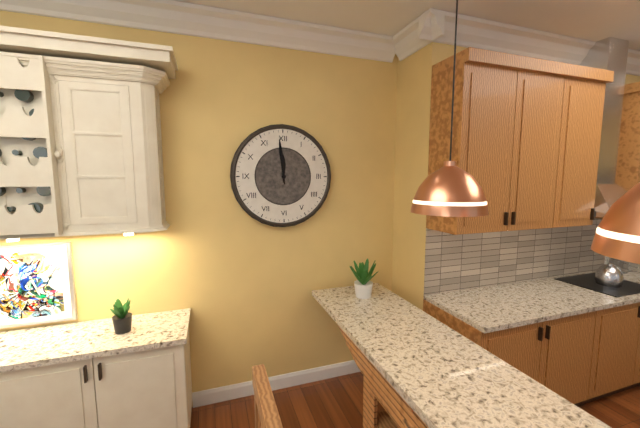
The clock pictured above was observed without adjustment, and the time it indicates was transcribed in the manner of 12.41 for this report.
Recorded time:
11.59
